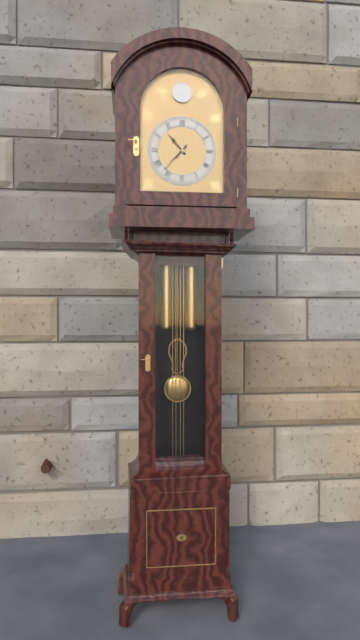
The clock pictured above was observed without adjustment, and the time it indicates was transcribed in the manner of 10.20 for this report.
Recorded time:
10.37
